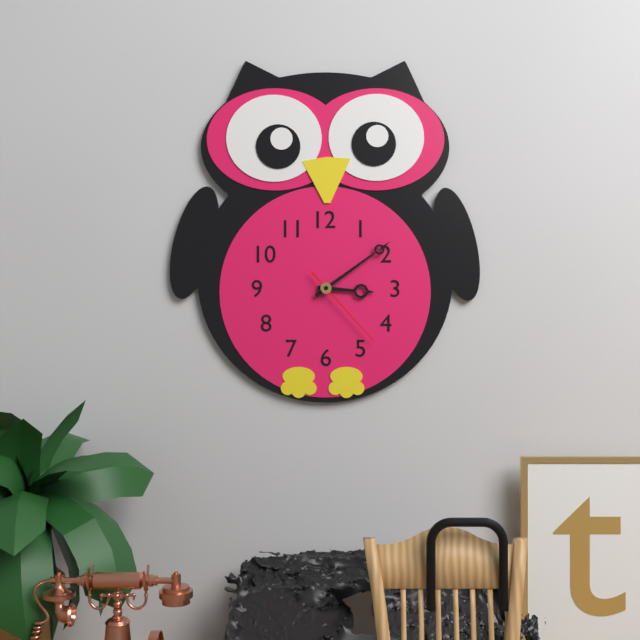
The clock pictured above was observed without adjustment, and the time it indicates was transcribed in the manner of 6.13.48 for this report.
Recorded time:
3.09.23
